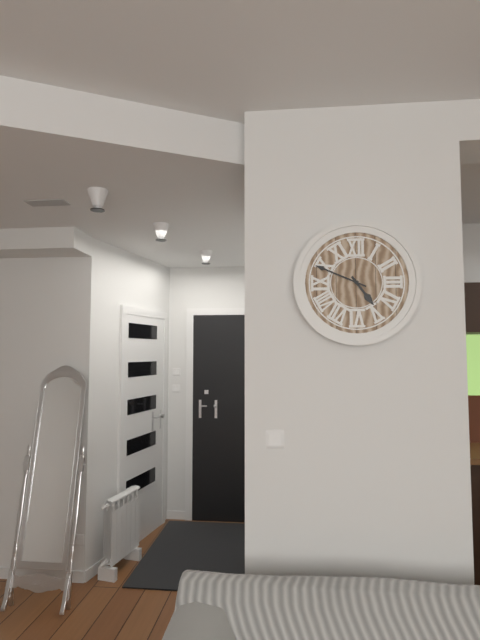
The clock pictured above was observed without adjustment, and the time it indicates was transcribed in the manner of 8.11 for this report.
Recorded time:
4.49
